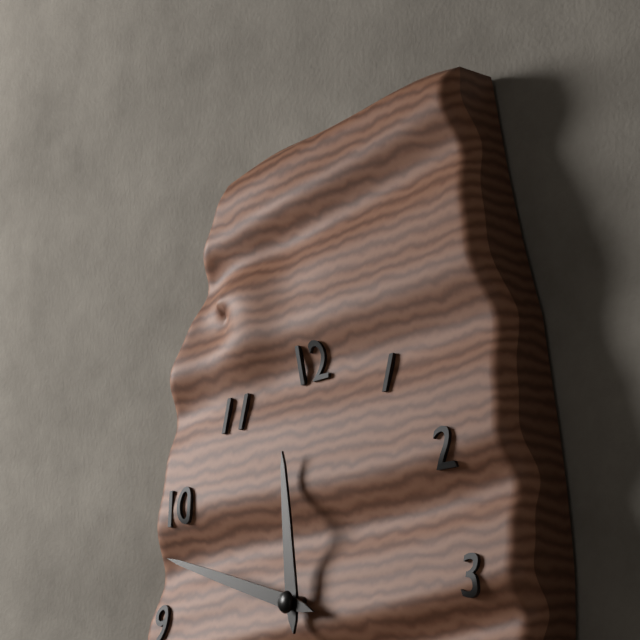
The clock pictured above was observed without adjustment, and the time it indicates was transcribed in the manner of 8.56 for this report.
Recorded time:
11.48
